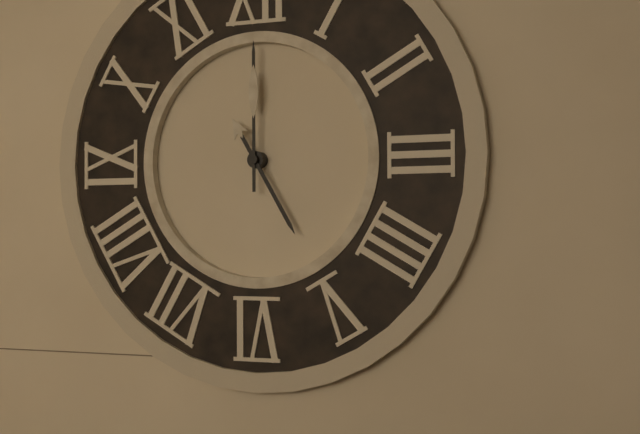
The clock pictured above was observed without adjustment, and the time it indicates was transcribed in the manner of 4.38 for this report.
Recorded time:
5.00
